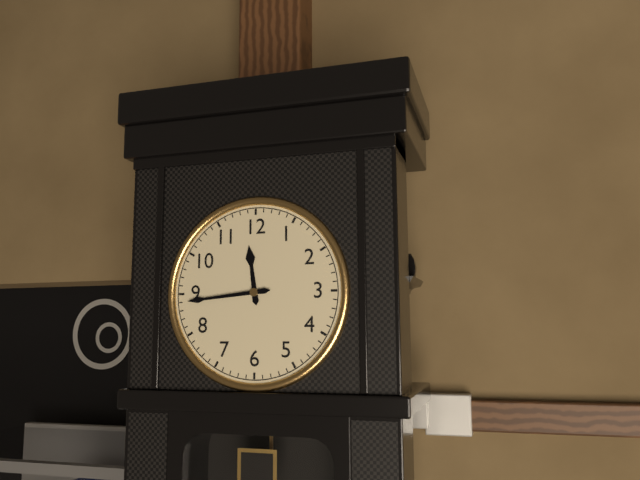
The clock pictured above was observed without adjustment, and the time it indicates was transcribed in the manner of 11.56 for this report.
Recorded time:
11.44
